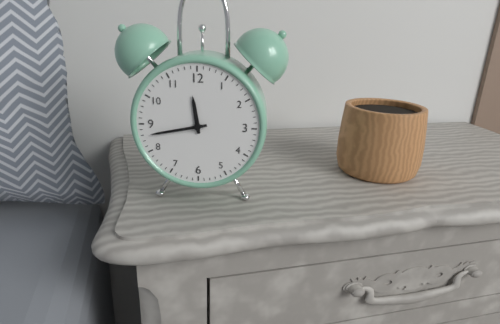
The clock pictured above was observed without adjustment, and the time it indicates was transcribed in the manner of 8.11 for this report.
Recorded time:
11.43
